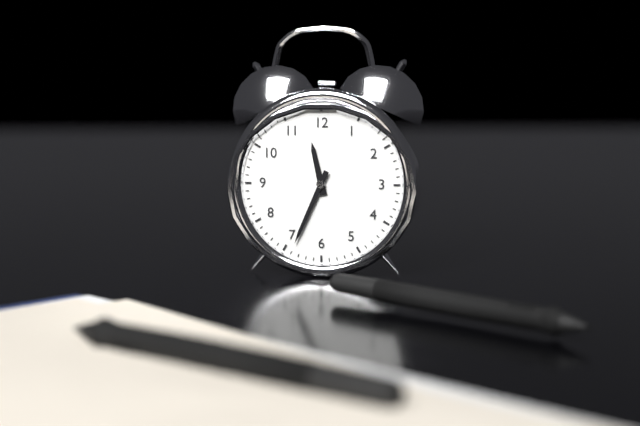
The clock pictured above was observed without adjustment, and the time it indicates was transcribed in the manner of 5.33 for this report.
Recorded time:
11.34
